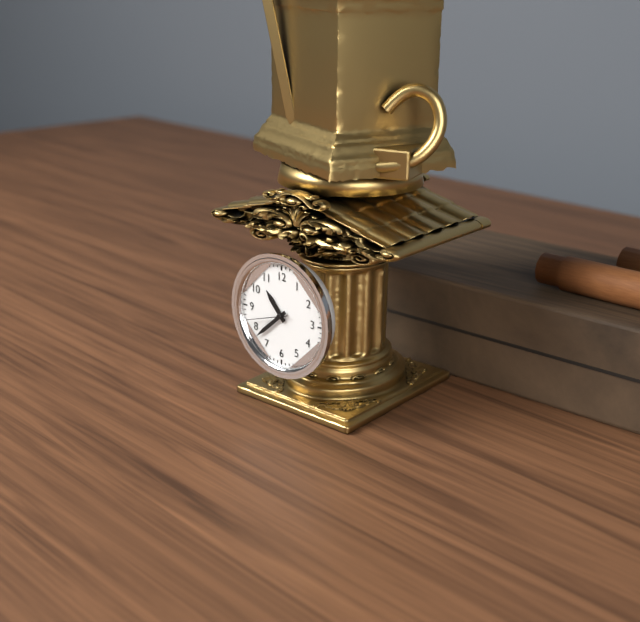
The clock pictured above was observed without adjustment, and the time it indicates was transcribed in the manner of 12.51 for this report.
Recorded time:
10.38
